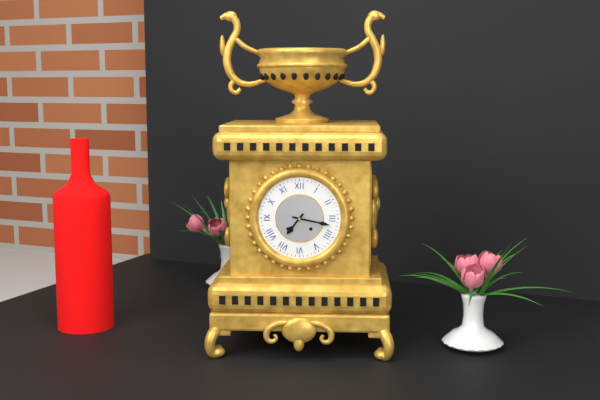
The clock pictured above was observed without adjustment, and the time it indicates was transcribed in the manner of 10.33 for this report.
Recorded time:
7.17
